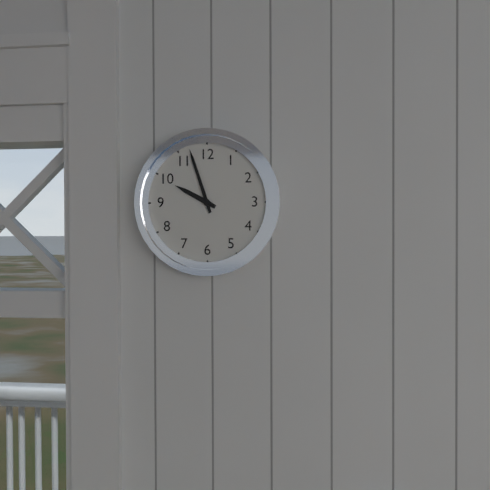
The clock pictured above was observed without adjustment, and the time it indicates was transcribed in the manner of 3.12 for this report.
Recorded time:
9.57
